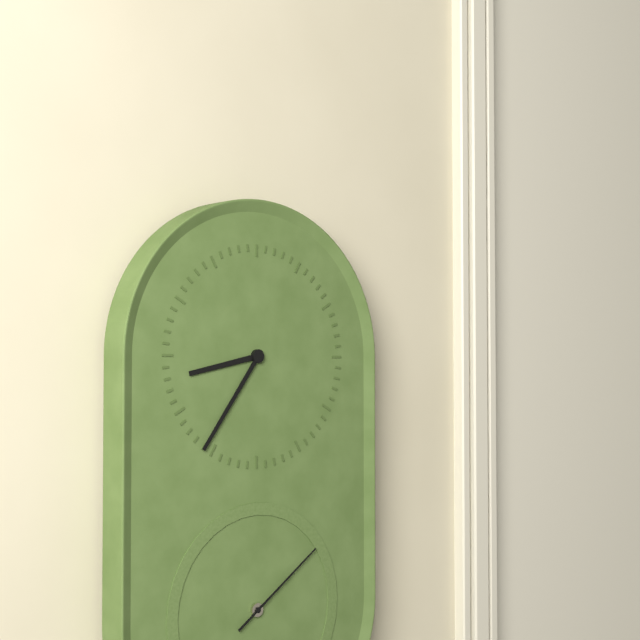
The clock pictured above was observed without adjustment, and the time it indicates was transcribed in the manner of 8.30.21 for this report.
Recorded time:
8.36.09
